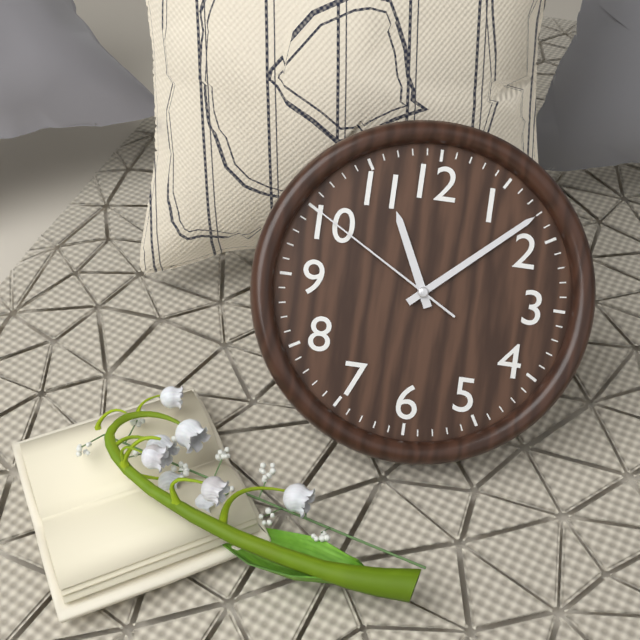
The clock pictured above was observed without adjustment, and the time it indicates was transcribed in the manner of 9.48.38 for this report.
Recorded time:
11.08.50
